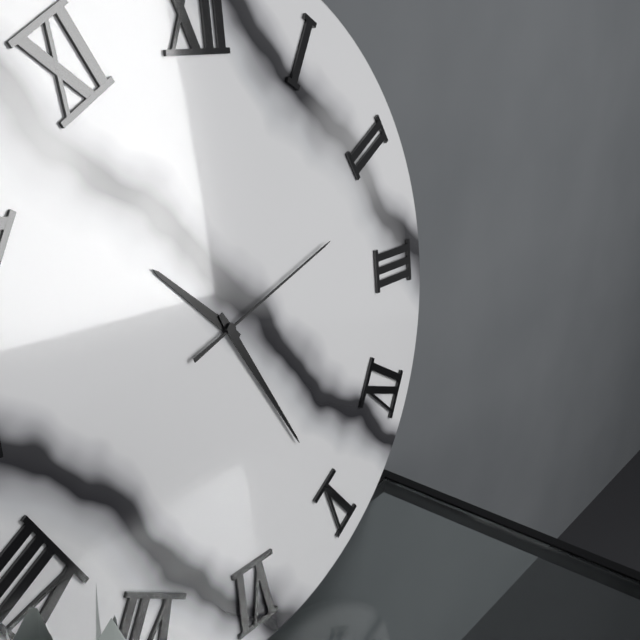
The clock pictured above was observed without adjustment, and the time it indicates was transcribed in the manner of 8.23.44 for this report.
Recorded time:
10.25.12
